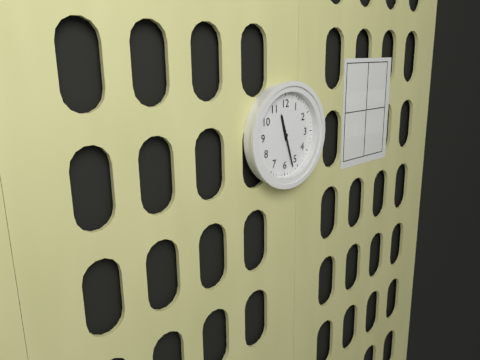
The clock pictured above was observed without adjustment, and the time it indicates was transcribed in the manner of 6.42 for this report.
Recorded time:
11.27
